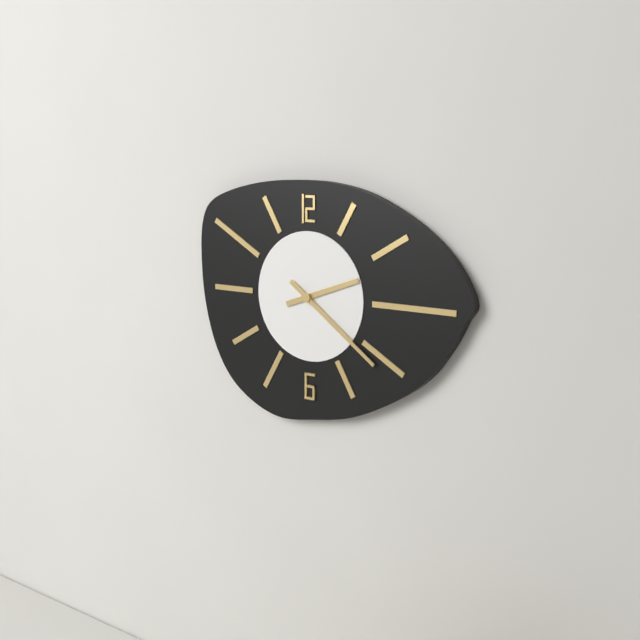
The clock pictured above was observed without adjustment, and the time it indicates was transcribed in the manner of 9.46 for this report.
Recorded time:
2.21
